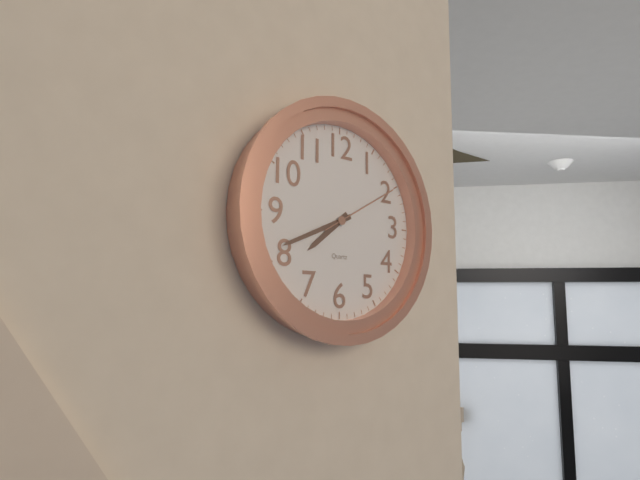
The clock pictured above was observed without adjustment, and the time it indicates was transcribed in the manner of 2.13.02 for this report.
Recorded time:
7.41.10
